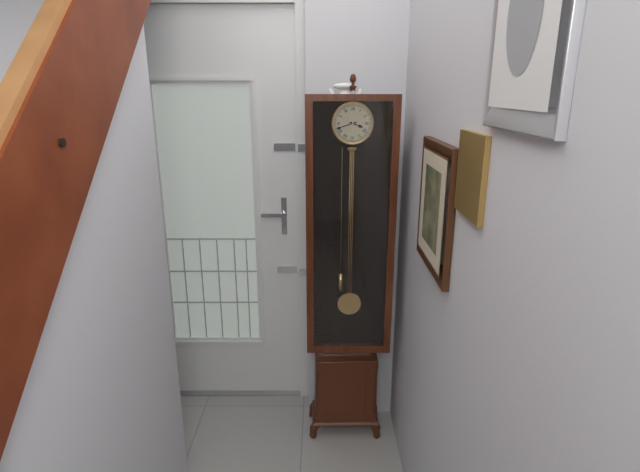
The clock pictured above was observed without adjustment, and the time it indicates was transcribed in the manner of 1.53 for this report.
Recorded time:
3.42
